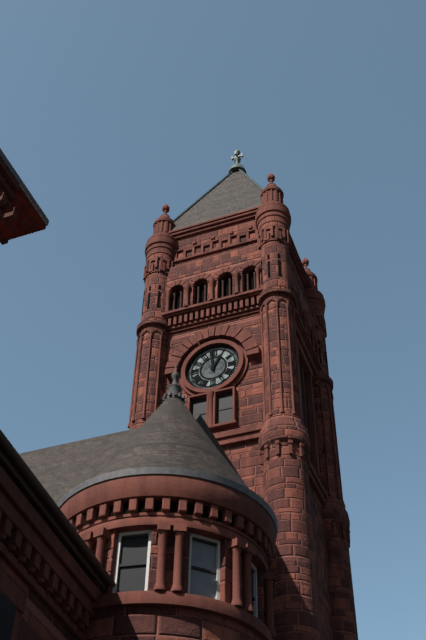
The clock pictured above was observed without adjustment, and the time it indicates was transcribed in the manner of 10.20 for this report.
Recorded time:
12.59
